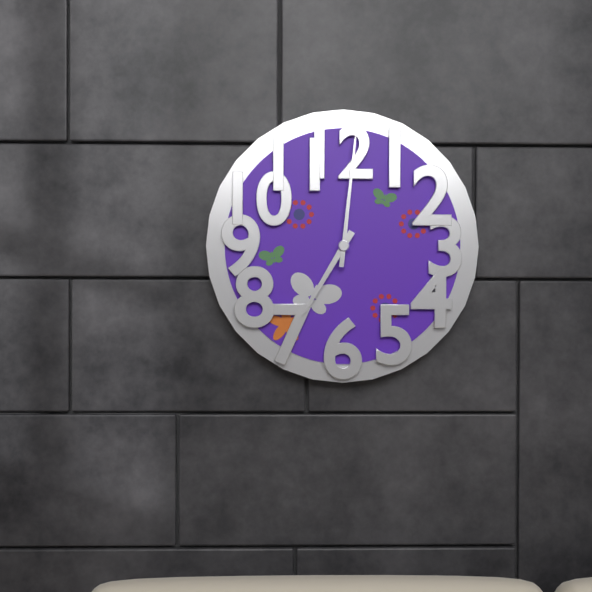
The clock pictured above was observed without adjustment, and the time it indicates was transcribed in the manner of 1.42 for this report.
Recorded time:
7.01
